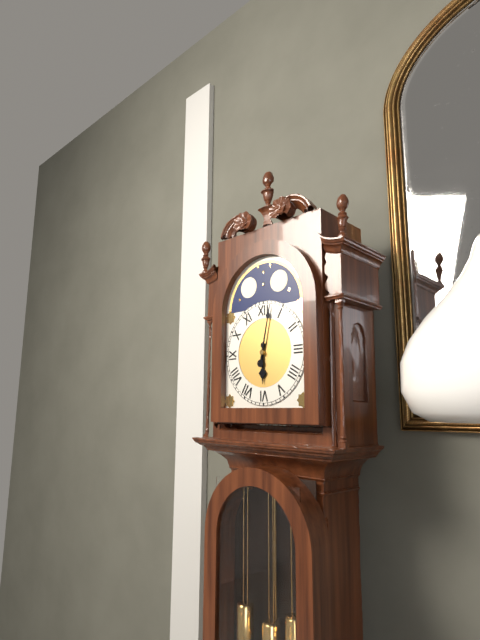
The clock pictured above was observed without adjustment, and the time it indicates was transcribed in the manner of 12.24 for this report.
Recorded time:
6.02
